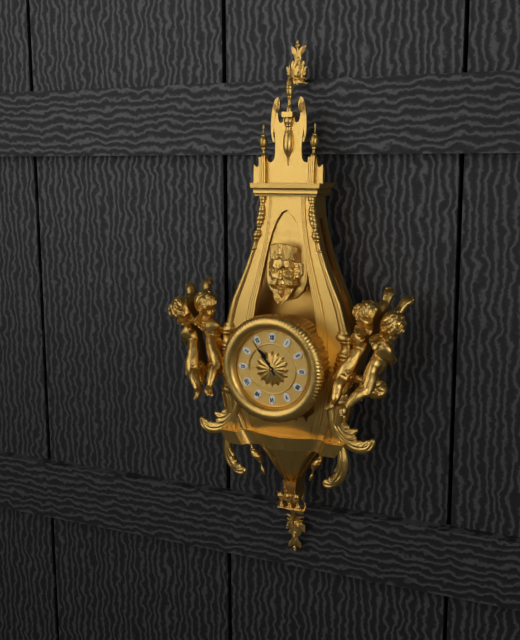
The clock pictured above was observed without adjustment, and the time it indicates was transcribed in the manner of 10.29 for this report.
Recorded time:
10.54
